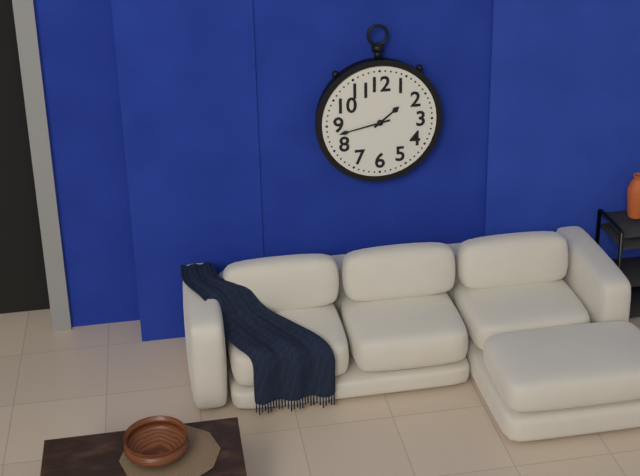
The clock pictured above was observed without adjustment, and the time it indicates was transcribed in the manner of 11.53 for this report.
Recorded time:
1.43
